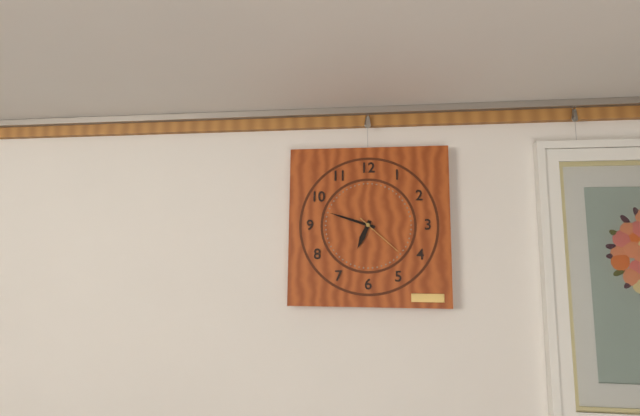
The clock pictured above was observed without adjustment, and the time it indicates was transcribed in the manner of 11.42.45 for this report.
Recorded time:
6.48.22
